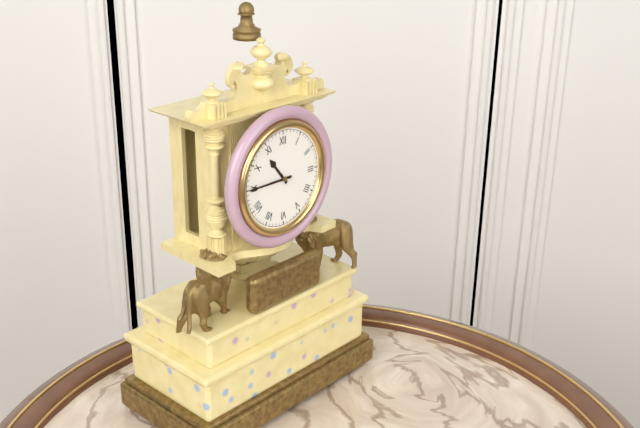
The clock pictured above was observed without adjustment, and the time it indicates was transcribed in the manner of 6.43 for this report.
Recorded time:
10.45
